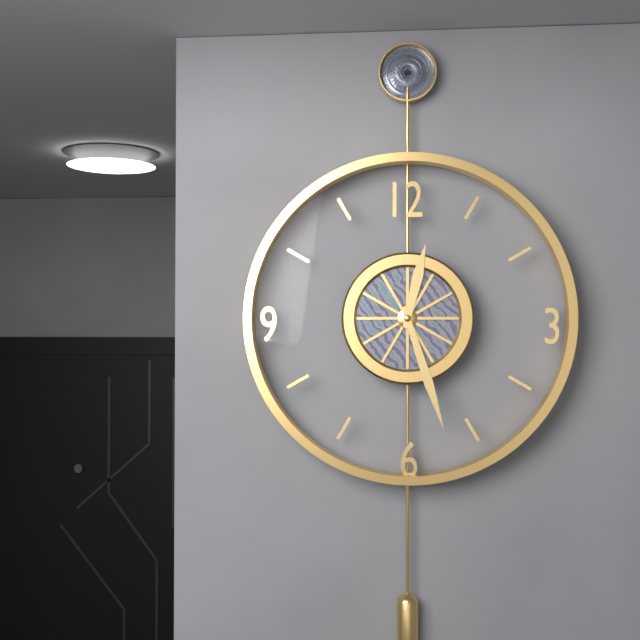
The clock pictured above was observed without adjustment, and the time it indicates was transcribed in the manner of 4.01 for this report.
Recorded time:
12.27
